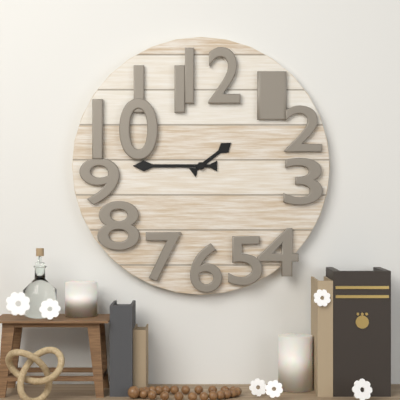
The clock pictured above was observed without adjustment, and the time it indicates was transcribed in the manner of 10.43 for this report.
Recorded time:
1.45
